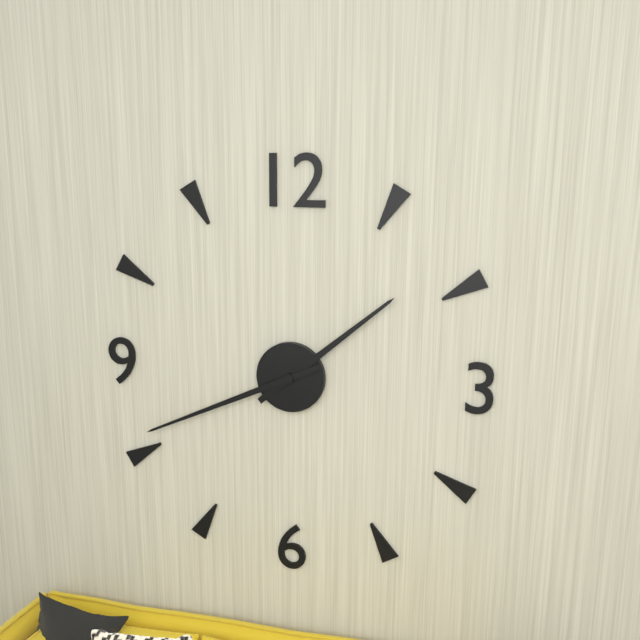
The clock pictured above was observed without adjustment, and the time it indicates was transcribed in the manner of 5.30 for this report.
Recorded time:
1.41
